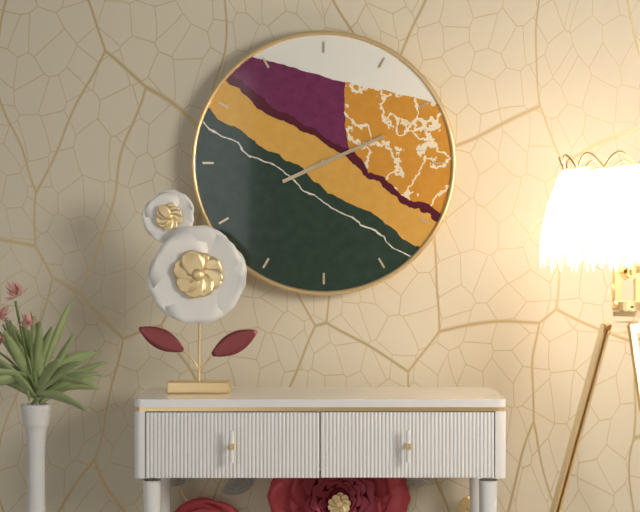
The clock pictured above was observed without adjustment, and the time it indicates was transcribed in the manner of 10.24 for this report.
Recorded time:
8.11
